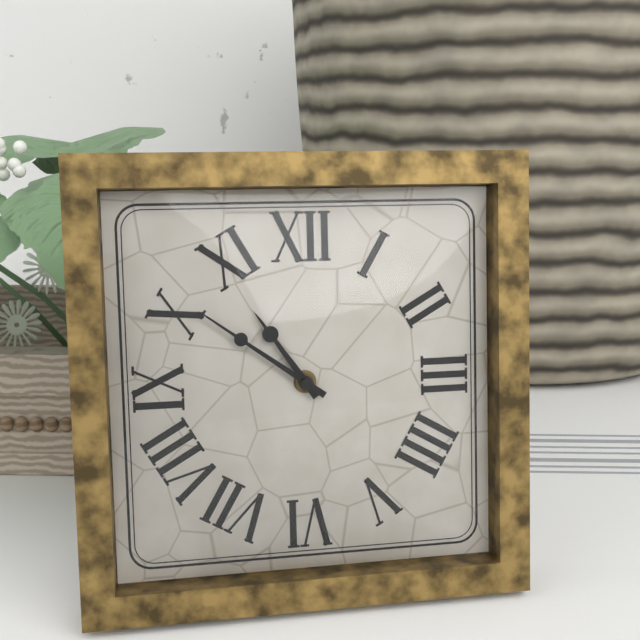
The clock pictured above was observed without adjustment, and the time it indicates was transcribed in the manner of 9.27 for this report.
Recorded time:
10.51
